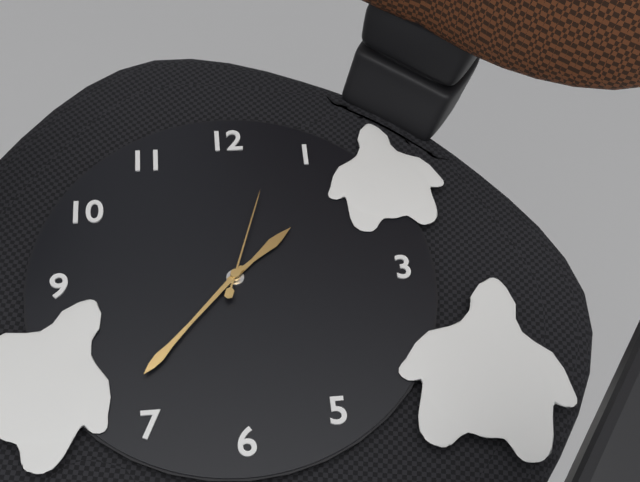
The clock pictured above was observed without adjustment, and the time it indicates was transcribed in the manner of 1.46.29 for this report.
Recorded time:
1.37.03
